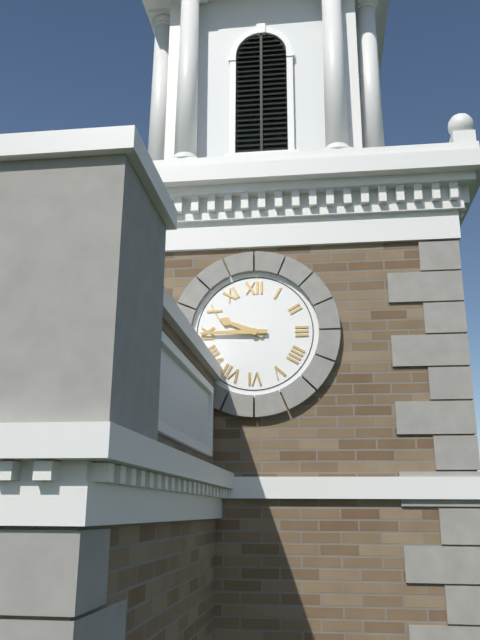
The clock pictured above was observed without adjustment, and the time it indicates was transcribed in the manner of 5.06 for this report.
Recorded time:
9.45
